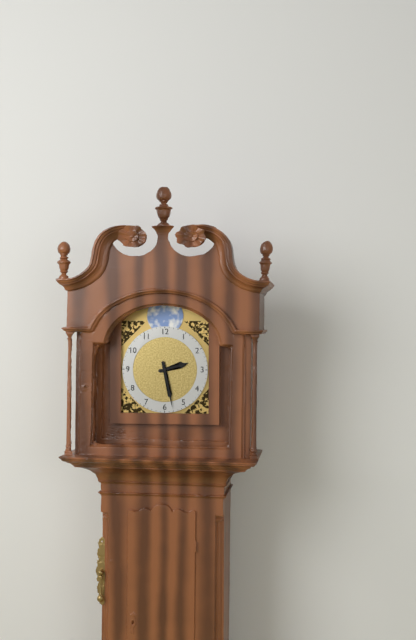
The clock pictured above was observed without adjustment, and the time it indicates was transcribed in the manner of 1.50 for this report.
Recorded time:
2.28
